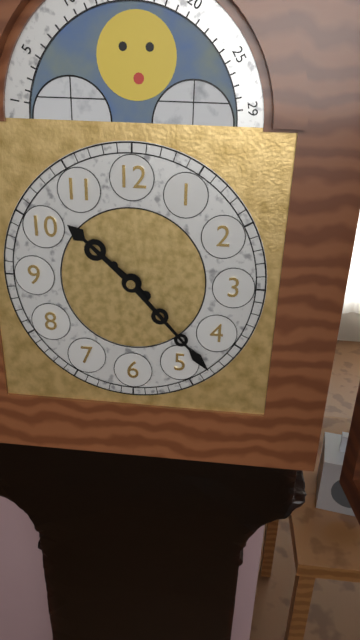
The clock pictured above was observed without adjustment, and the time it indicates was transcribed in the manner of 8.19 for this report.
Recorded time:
10.23
